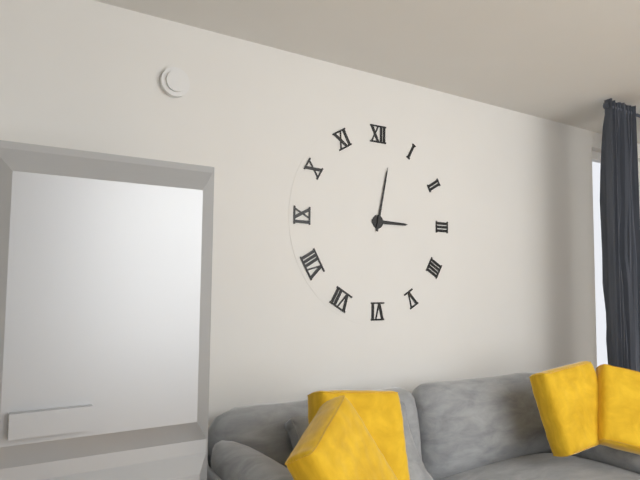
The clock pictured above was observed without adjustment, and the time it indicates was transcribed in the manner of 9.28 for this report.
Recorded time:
3.02
